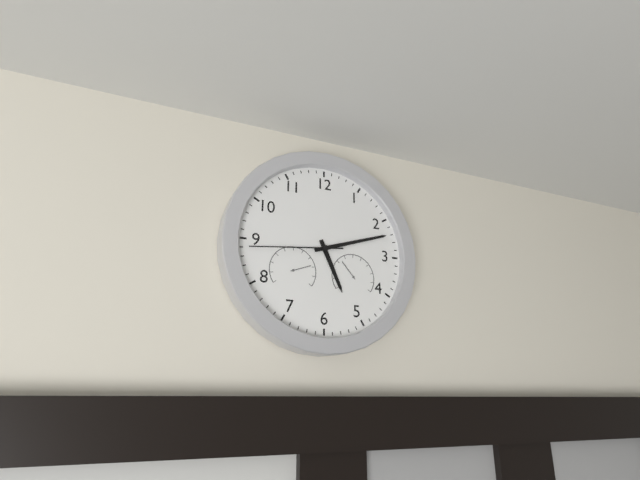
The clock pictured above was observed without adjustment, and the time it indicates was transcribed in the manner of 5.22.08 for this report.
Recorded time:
5.12.44
